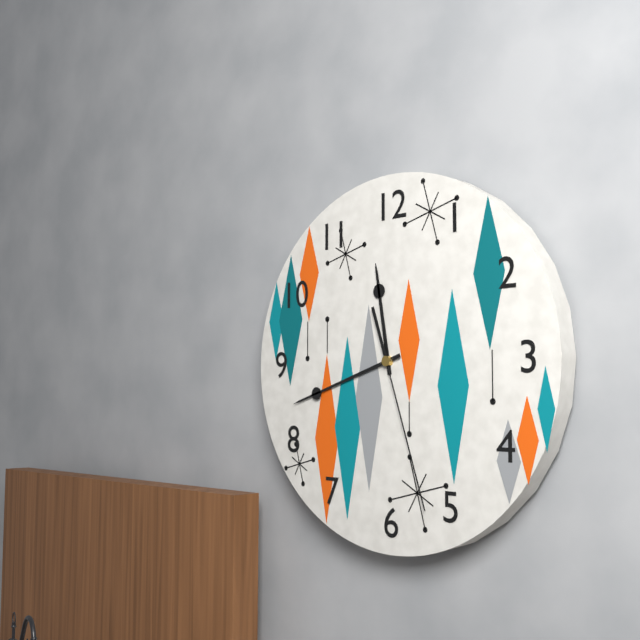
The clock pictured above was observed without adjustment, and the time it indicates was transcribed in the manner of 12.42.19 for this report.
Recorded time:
11.42.27
